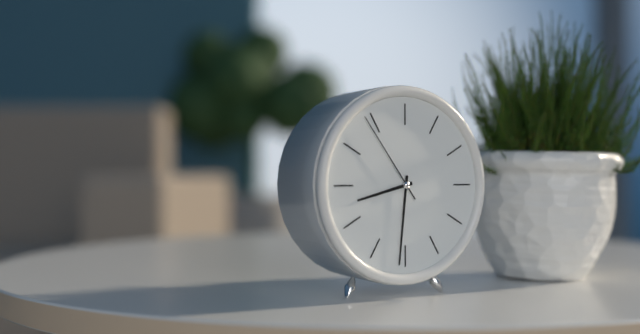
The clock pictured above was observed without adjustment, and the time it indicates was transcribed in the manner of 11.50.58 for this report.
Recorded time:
8.31.54
